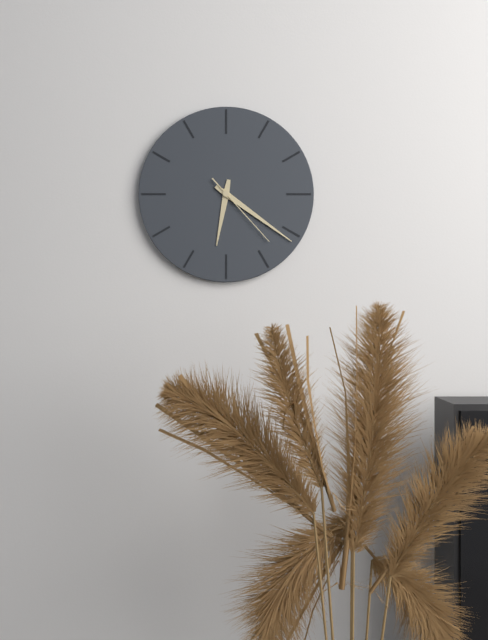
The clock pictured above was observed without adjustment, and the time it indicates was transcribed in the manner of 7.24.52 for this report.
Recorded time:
6.21.23
